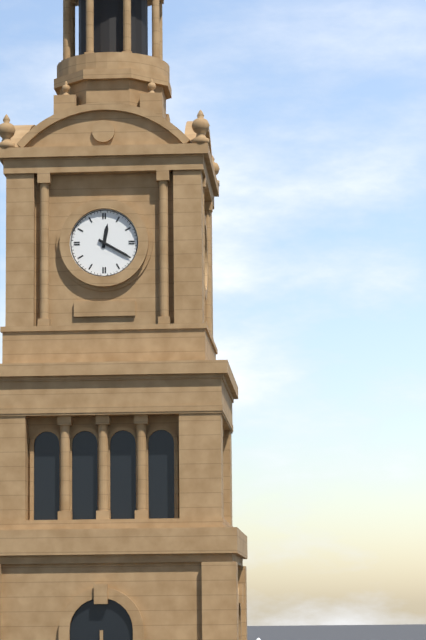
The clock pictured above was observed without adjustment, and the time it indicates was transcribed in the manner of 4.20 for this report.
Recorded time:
12.20
